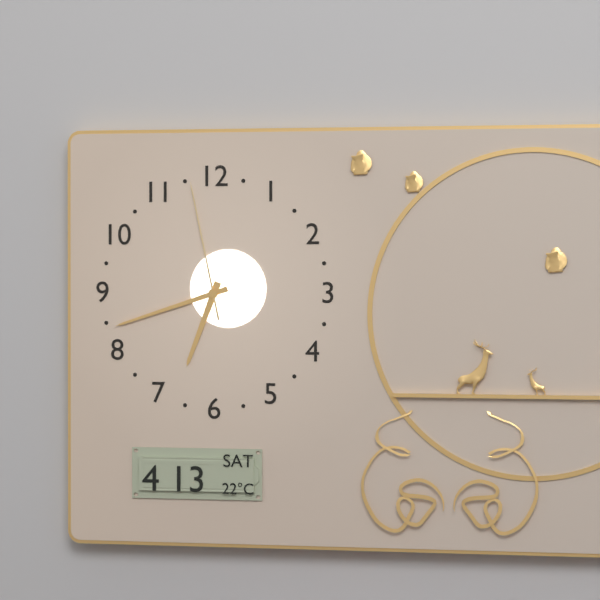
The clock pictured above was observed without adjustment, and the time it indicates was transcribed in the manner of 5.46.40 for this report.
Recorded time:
6.42.58
